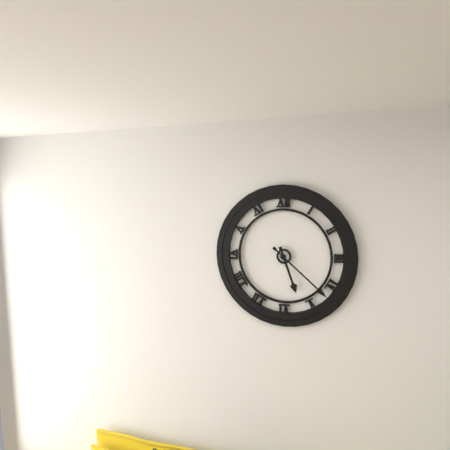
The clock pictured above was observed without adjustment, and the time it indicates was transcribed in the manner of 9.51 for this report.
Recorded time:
5.22
